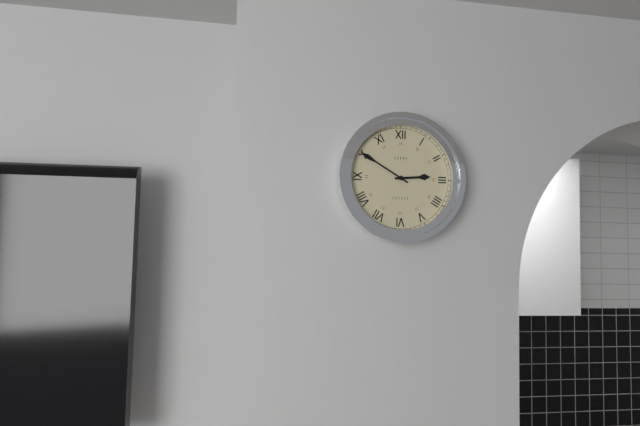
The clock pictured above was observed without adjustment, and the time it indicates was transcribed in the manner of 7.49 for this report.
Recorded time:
2.50
